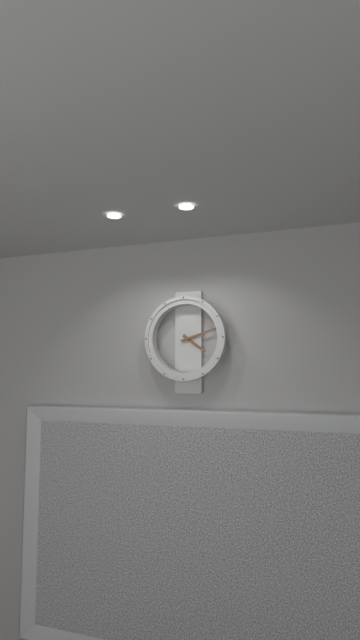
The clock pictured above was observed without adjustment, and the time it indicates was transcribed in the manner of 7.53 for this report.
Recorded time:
4.12
